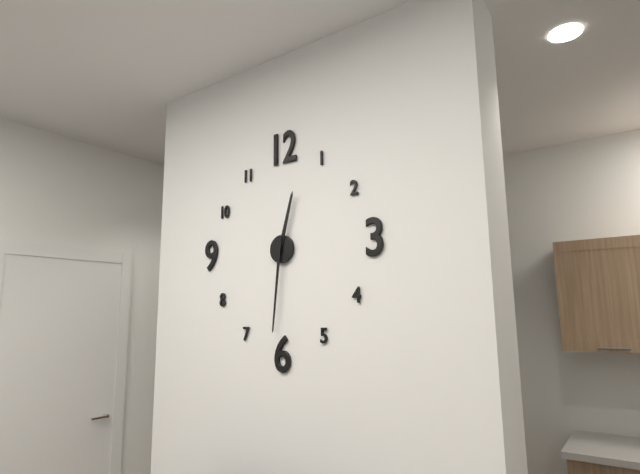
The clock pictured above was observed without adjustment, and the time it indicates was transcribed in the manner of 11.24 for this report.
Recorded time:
12.31
